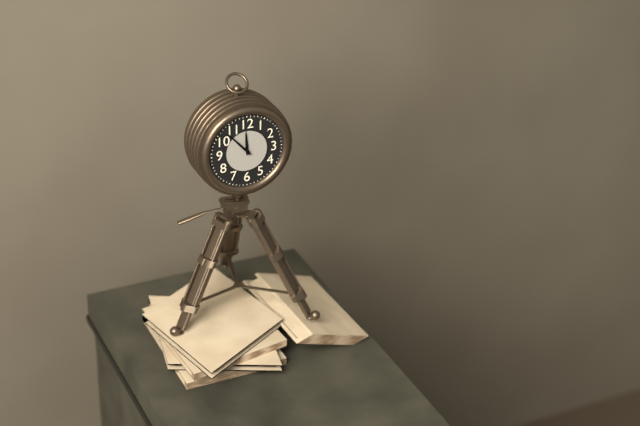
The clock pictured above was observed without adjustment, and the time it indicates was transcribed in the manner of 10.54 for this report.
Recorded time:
11.53
